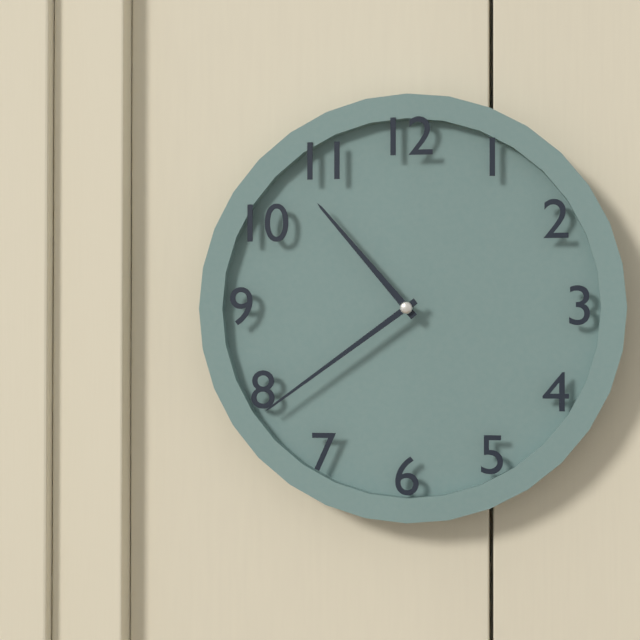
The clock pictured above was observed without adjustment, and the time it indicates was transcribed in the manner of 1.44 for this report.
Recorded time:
10.39
